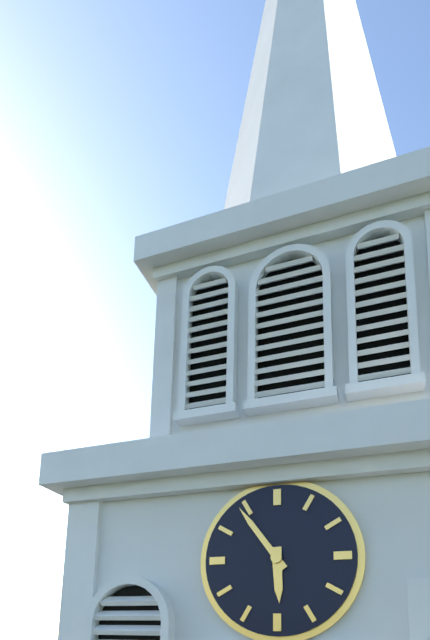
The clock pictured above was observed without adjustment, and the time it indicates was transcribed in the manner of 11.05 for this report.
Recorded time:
5.54
